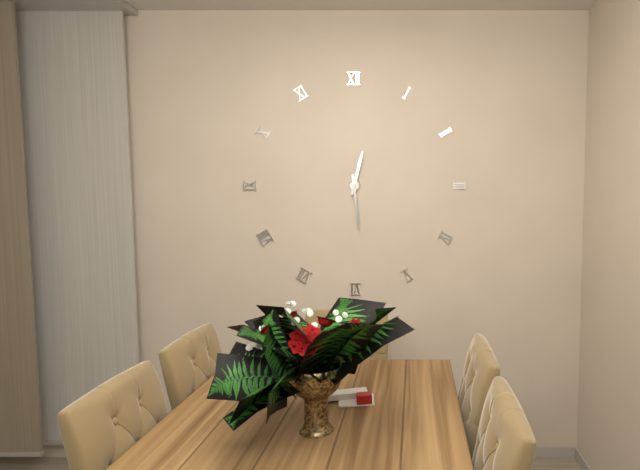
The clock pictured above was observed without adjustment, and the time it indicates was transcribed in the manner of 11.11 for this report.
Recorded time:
12.29
